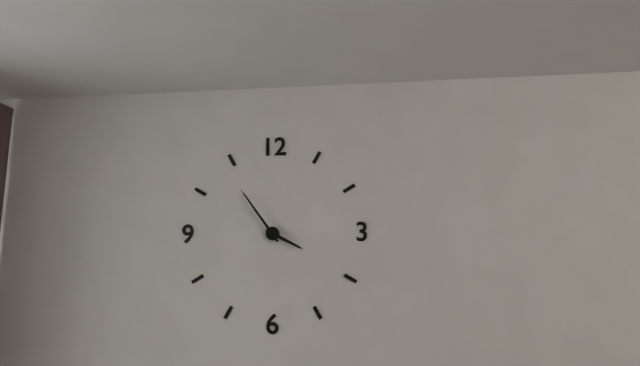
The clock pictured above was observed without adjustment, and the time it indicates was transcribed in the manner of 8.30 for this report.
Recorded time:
3.54
